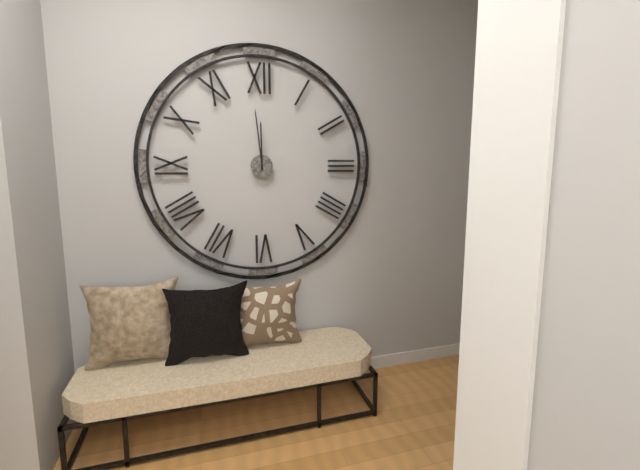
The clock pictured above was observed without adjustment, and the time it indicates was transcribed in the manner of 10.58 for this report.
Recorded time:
11.59
